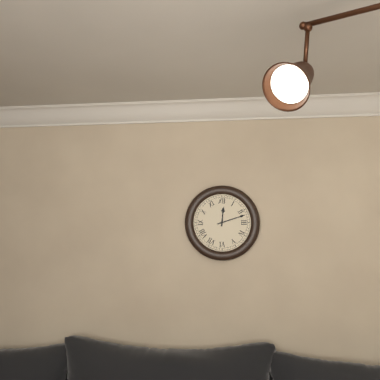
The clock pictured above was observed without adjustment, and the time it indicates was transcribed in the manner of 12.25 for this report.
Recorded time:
12.12
